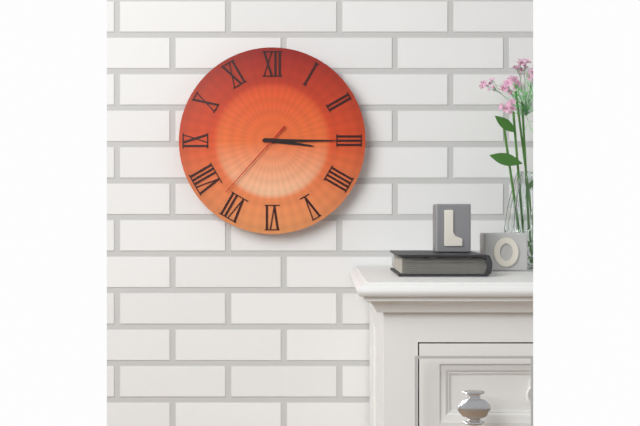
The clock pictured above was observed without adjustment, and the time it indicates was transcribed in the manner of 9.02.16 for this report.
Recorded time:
3.15.37
